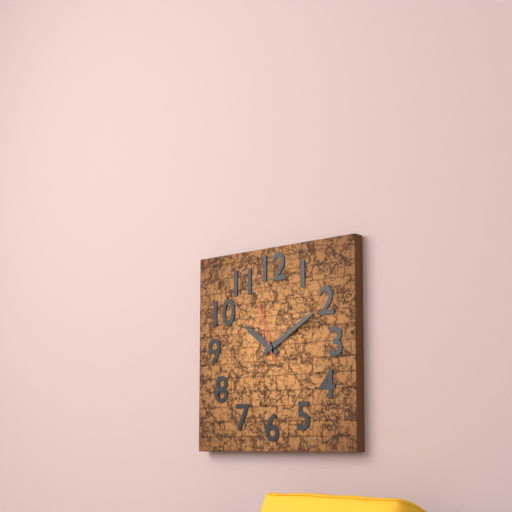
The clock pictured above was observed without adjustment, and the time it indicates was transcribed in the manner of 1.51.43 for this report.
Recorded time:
10.10.57
